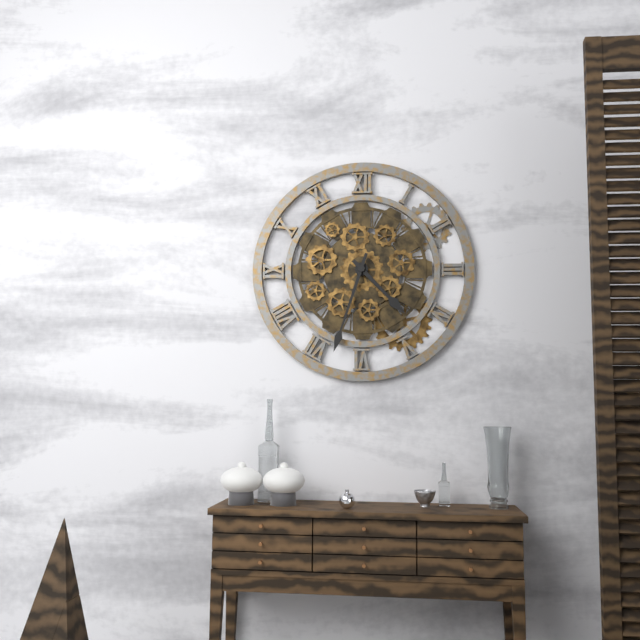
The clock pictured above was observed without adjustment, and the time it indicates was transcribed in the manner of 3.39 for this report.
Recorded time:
4.33
